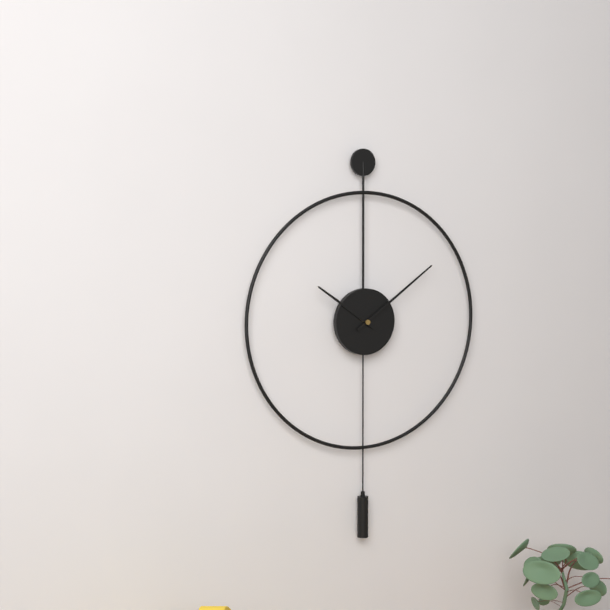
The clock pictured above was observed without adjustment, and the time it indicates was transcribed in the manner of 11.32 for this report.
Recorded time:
10.09
